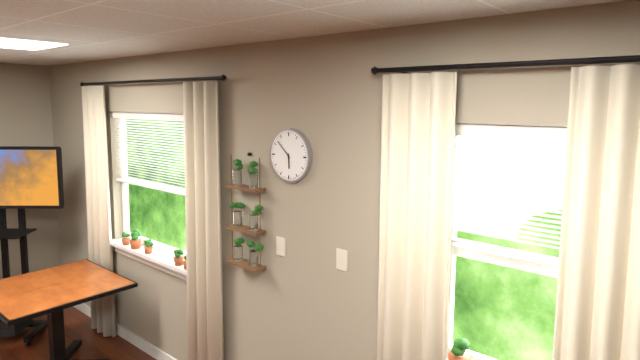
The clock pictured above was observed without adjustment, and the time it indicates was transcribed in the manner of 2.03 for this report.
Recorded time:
5.52
